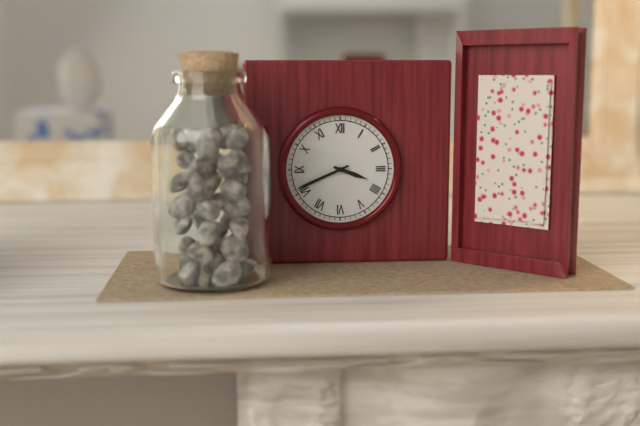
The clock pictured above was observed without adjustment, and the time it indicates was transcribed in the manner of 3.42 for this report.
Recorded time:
3.41
